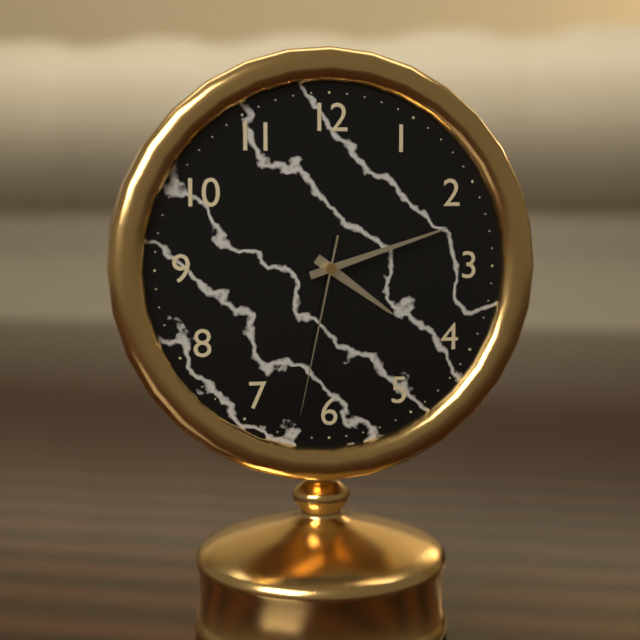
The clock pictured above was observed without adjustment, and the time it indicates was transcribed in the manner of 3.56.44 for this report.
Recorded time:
4.12.32
